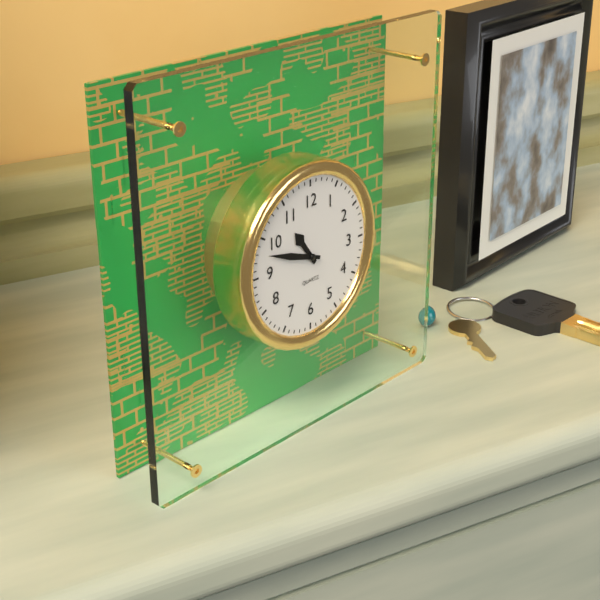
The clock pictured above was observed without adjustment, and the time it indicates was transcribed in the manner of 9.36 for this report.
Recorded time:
10.48
